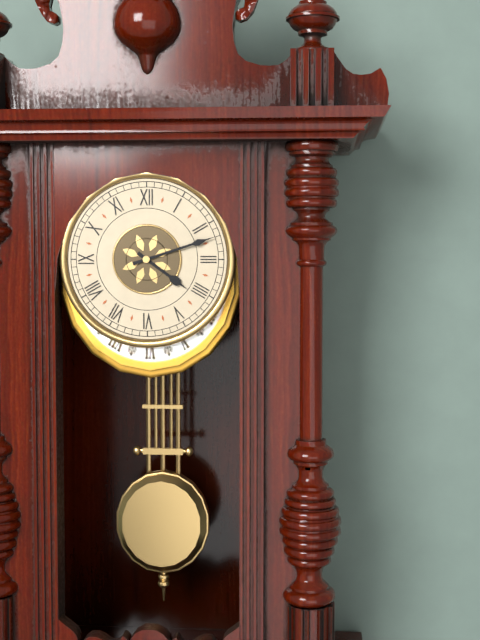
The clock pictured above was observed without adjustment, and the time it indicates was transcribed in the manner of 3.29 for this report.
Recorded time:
4.12
